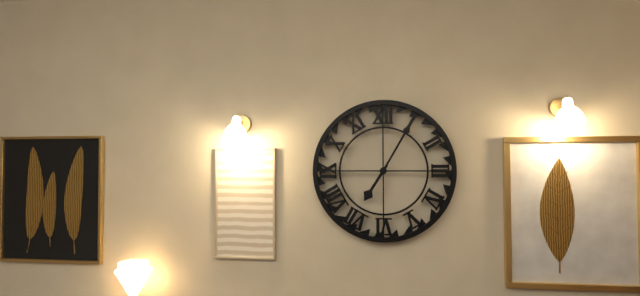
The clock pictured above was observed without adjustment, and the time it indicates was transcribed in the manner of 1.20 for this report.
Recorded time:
7.05
